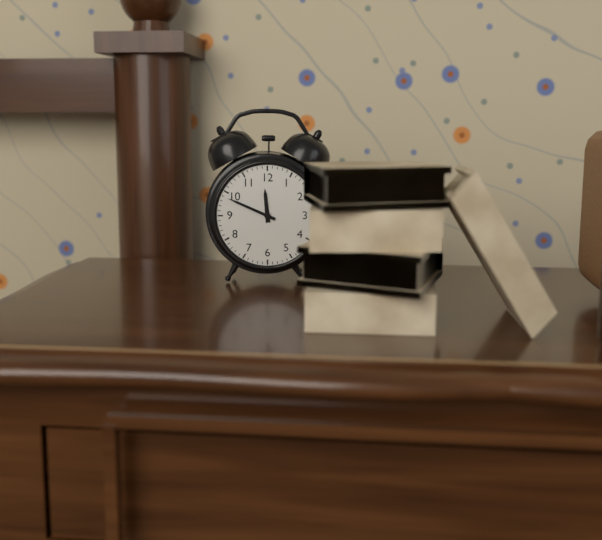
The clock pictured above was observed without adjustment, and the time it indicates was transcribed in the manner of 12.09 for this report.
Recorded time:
11.49
